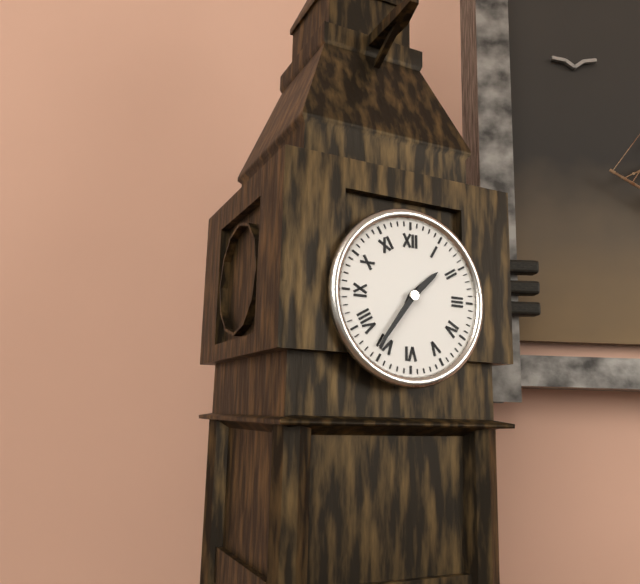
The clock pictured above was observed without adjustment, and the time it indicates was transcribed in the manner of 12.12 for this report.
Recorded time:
1.36
